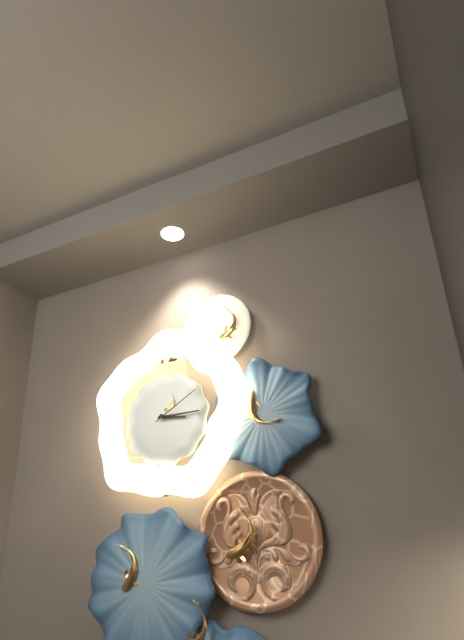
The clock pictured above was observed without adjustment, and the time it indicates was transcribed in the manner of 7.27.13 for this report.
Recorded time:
3.15.10
